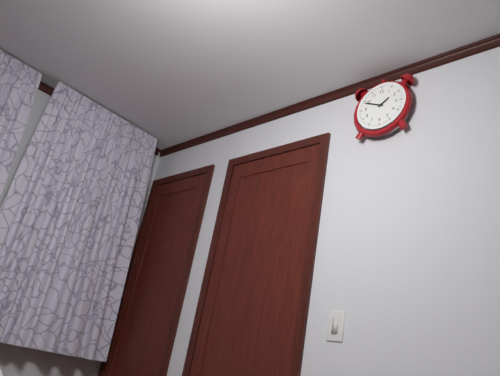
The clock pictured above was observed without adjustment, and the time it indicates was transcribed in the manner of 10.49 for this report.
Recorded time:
1.49
